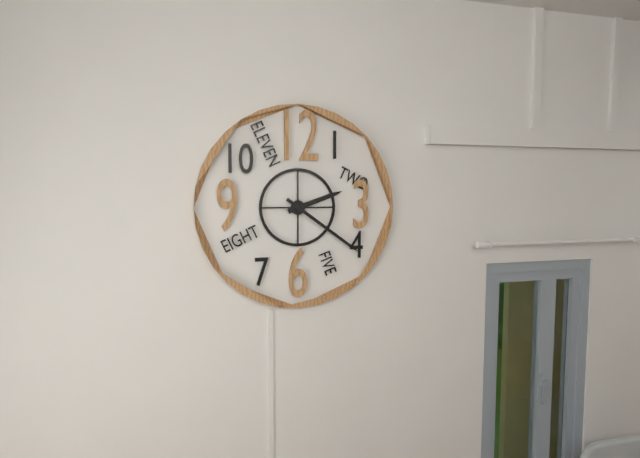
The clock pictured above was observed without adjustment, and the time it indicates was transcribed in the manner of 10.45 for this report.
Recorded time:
2.21
